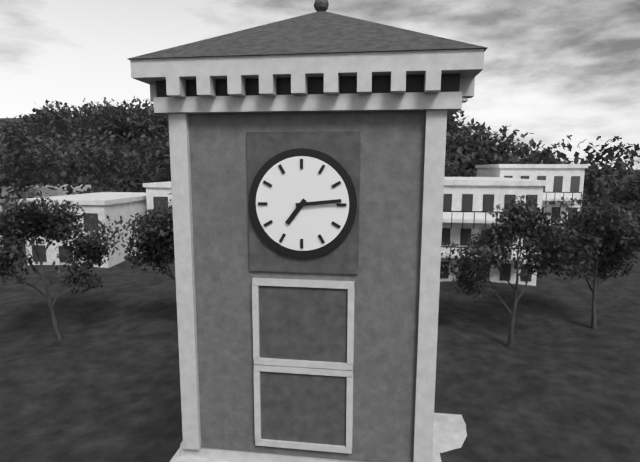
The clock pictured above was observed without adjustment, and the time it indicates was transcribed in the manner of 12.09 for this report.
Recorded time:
7.14
